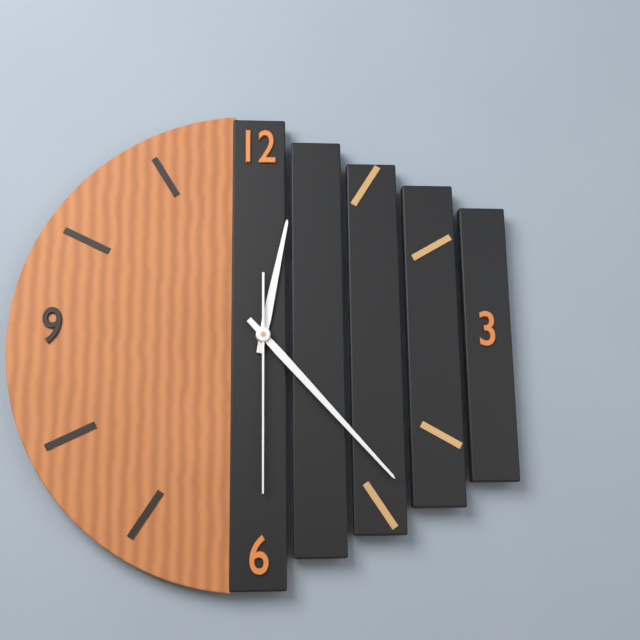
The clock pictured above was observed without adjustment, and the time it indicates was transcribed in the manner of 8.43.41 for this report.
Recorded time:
12.23.30
